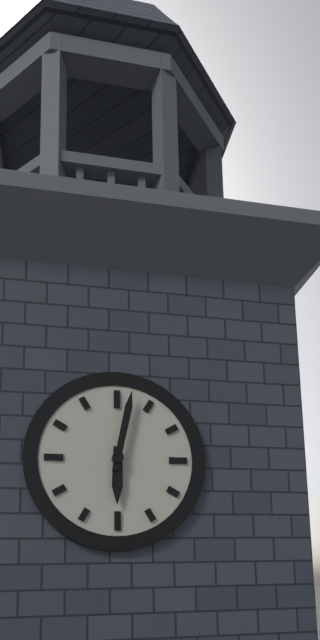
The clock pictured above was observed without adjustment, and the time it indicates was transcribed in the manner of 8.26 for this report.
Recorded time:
6.02
